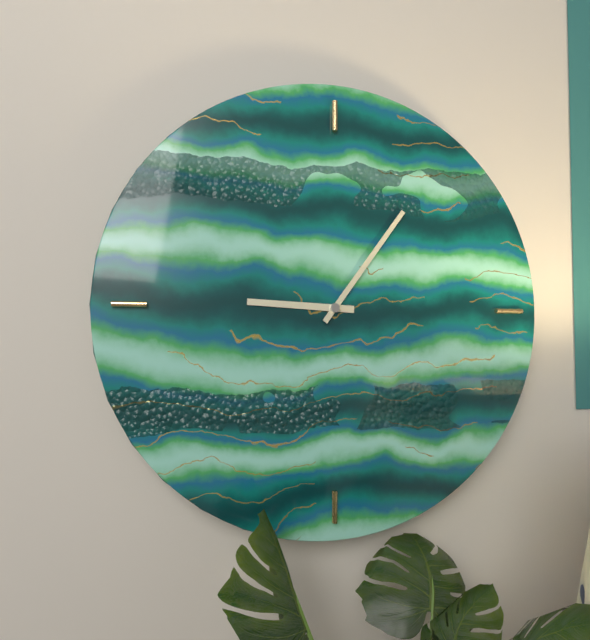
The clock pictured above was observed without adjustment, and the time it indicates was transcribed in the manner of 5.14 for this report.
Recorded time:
9.06
